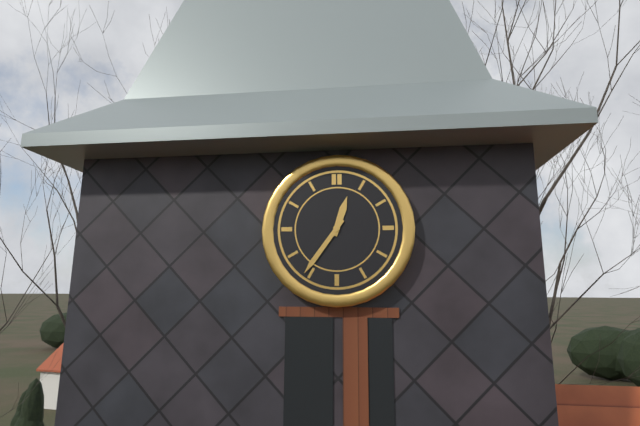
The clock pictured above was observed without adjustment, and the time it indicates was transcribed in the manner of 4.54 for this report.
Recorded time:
12.36
